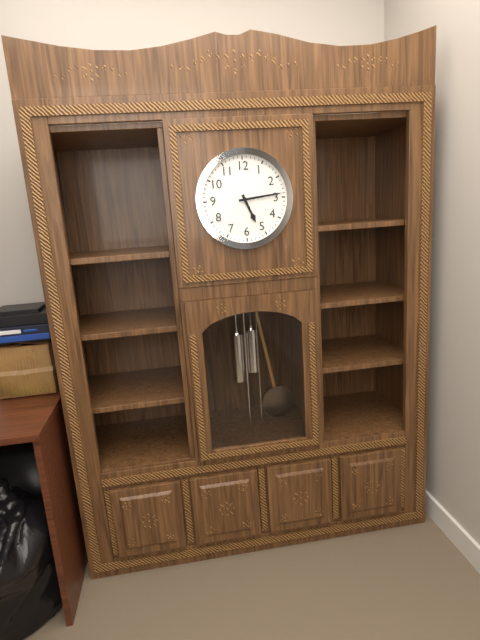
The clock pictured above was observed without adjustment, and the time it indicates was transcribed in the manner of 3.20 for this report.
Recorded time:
5.14
